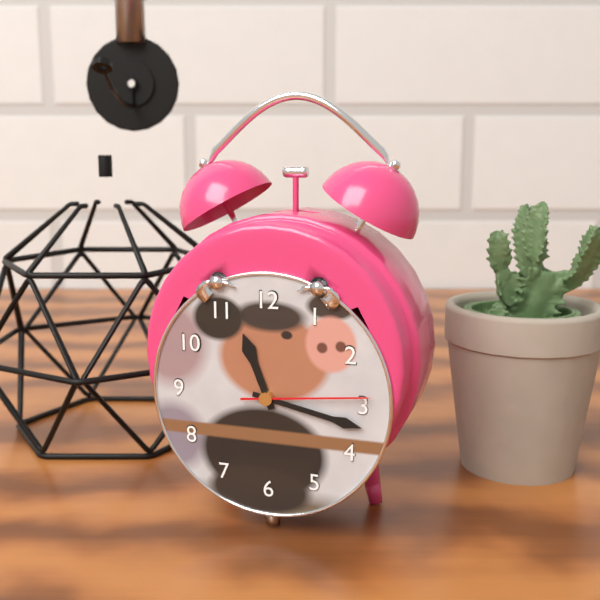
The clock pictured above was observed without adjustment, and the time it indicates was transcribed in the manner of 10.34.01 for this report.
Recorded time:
11.17.14
